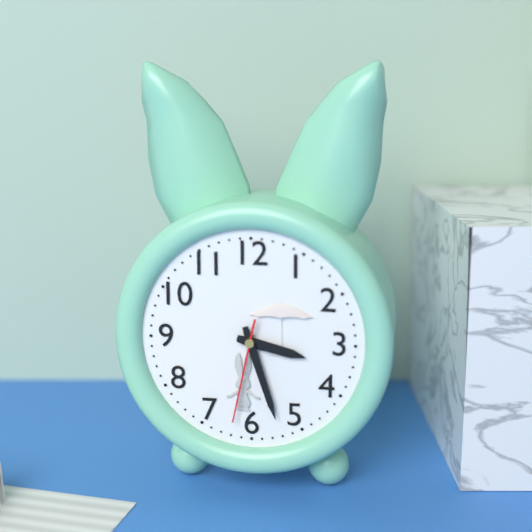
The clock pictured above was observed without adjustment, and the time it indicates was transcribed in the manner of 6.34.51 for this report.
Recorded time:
3.27.32
